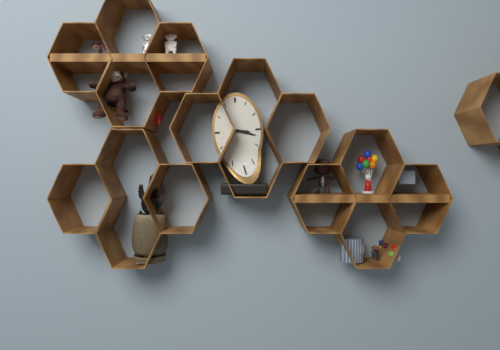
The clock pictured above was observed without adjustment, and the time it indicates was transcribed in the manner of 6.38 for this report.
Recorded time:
3.18
